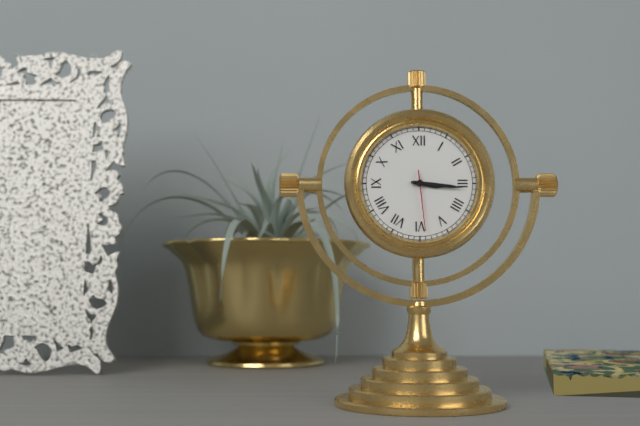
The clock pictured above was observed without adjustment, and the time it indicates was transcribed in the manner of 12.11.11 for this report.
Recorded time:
3.16.29
